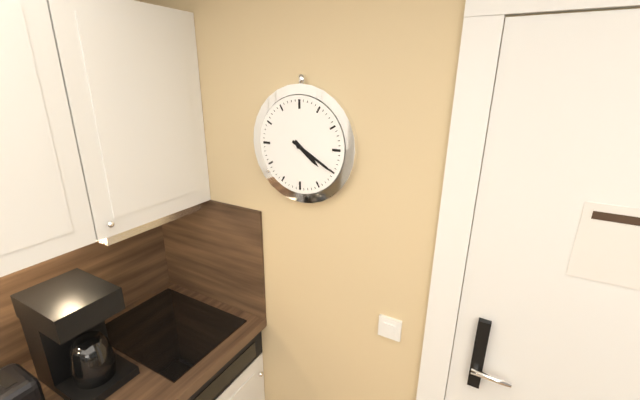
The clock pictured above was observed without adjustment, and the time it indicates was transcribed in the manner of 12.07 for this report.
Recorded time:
4.20
